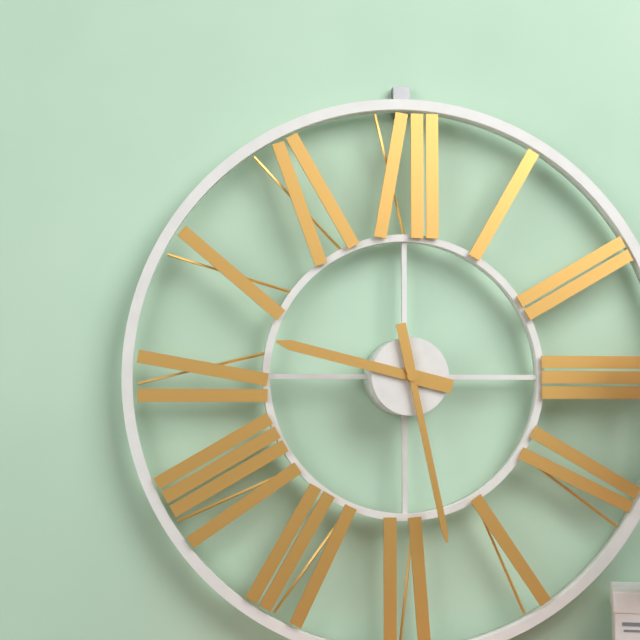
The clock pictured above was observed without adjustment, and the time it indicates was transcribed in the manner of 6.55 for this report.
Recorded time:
9.28
